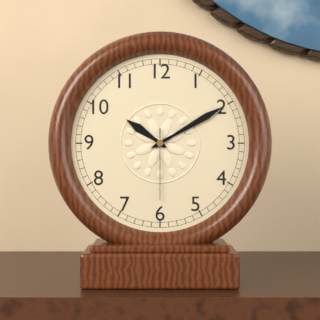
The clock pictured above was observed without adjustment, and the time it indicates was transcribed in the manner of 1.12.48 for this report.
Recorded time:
10.10.30
